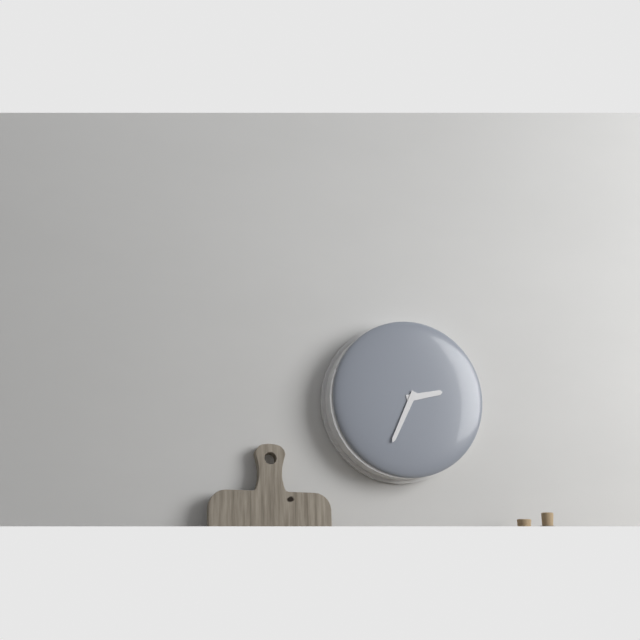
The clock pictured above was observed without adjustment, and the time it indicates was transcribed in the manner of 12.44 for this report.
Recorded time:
2.34
